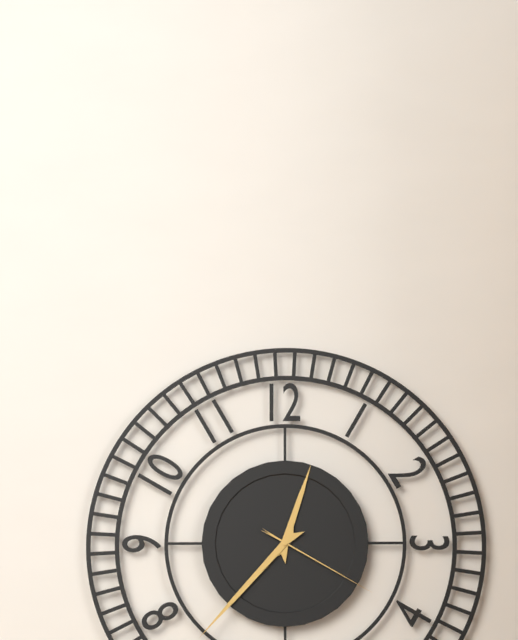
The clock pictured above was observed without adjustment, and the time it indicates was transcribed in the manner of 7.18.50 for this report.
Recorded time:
12.37.20
